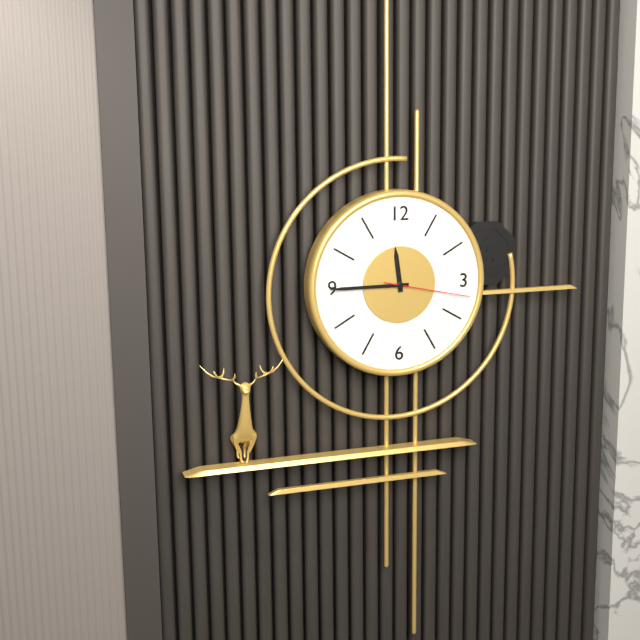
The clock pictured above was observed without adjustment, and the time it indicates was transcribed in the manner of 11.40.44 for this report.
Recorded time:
11.45.17
